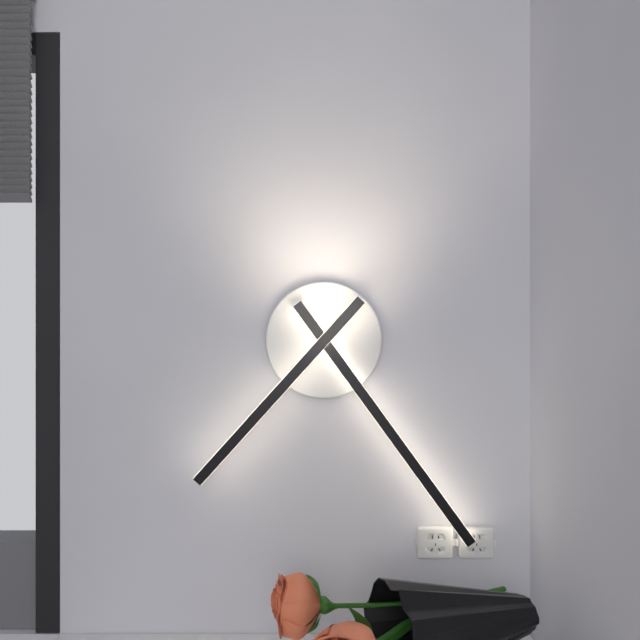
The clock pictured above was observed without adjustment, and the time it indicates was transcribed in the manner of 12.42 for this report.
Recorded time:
7.24
